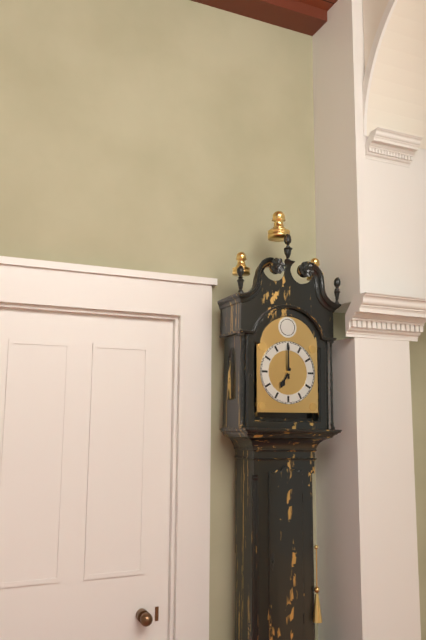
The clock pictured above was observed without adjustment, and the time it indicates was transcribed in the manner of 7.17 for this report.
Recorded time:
7.00
